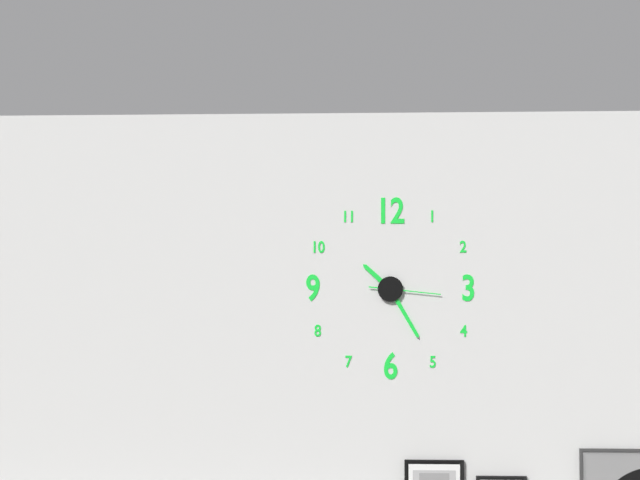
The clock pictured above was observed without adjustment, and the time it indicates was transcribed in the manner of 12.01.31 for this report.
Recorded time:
10.25.16
